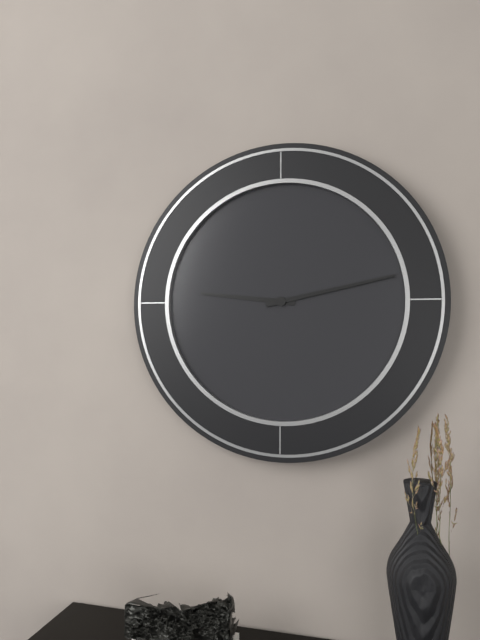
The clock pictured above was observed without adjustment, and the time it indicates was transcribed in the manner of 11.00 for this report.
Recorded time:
9.13
